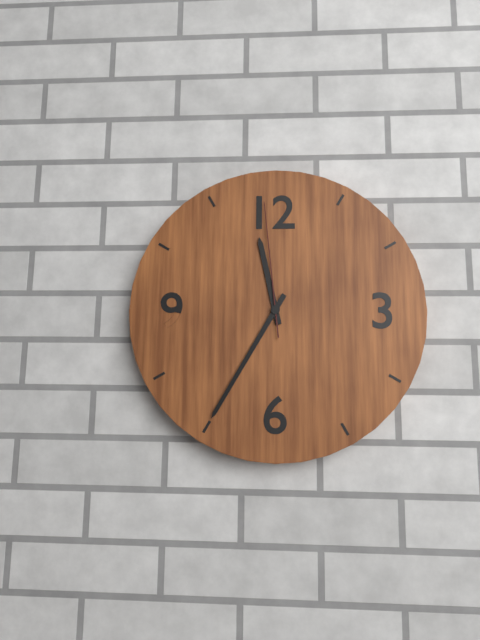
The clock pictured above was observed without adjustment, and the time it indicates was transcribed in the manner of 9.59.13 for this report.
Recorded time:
11.35.59
